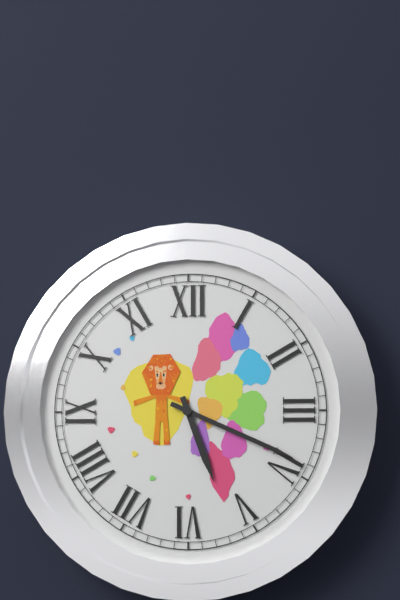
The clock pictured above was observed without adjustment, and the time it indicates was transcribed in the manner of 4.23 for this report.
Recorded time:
5.19
